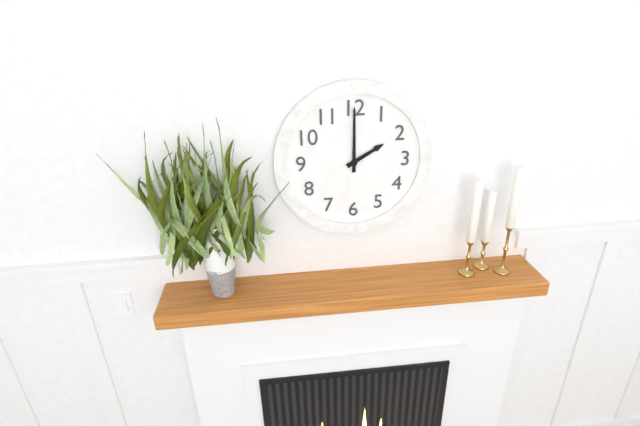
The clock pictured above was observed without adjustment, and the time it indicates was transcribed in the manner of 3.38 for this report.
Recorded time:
2.00
